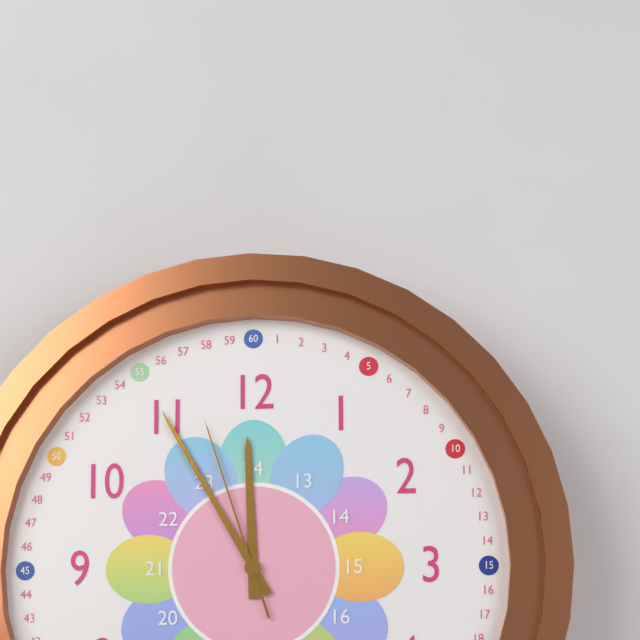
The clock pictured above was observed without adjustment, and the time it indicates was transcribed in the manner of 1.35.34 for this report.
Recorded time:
11.55.57
